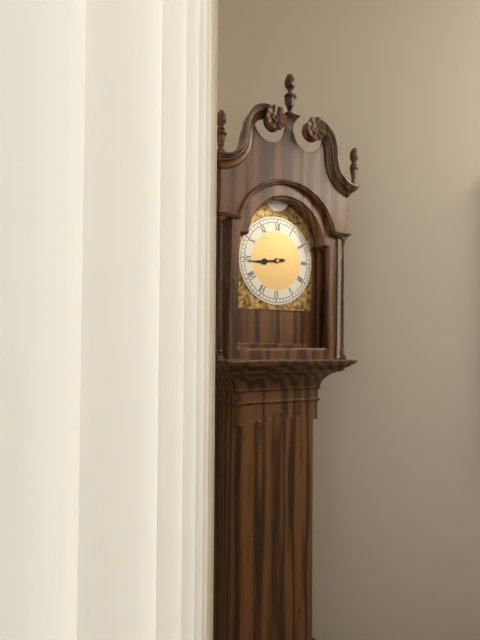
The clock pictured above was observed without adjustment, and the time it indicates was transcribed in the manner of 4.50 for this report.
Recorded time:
8.44
